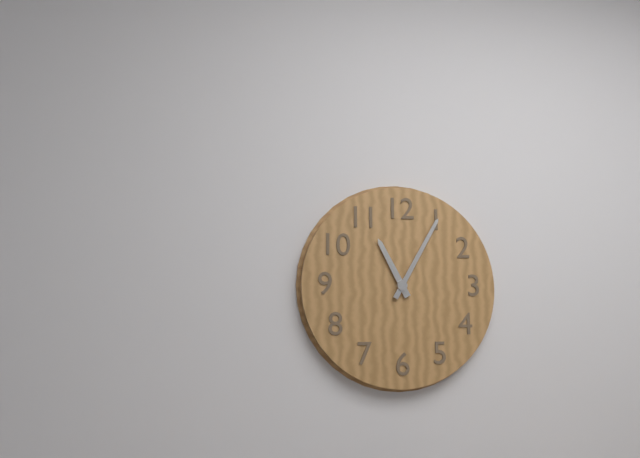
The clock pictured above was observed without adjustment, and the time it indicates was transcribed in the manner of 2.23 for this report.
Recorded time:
11.05
